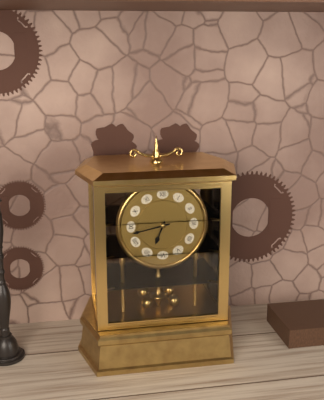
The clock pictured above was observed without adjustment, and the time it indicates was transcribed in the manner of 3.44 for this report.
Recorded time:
6.43
